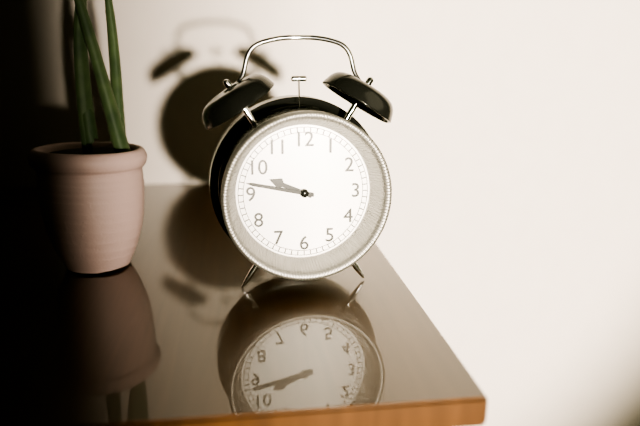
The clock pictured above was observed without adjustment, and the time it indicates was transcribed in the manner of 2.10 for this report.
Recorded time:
9.47
